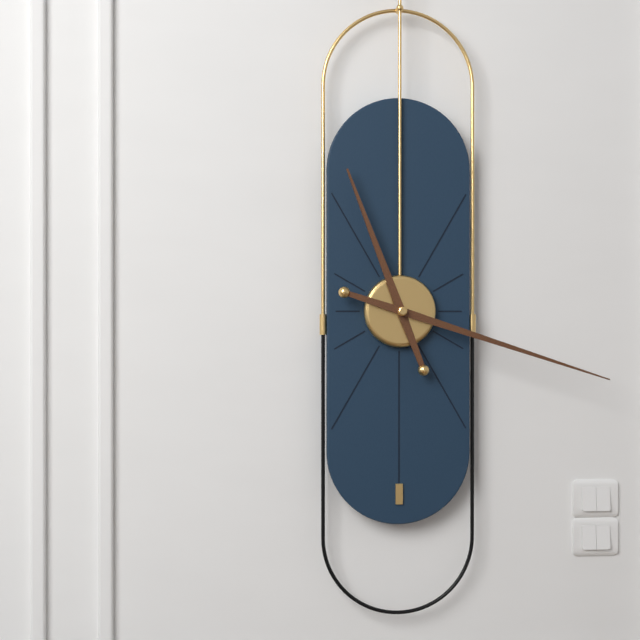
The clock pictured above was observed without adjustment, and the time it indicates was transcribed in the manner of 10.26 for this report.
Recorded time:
11.18
